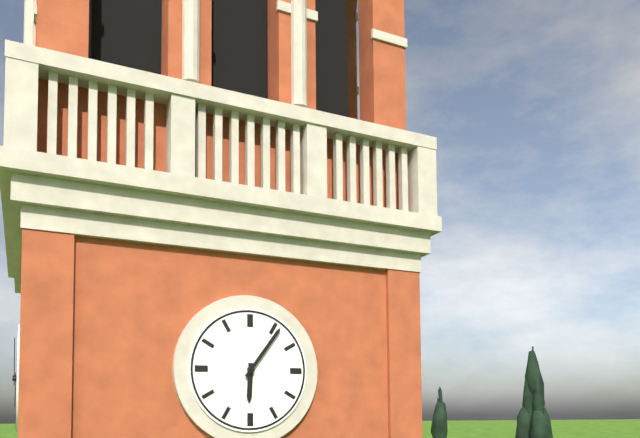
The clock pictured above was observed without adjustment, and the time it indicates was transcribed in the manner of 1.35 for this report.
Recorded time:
6.06
